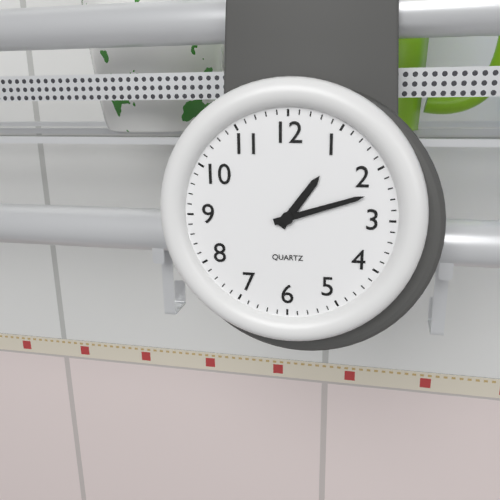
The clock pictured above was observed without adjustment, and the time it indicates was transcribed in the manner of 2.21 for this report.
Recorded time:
1.12
